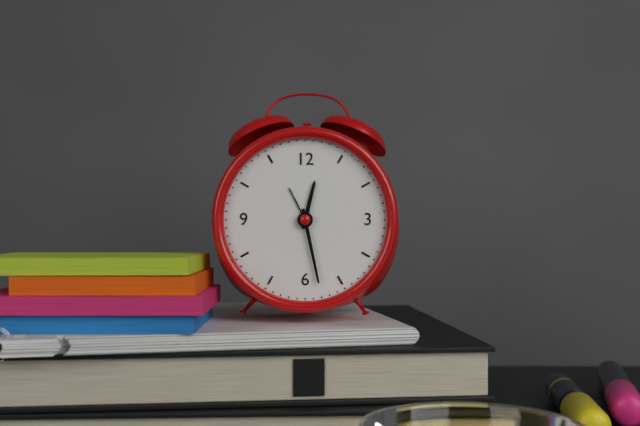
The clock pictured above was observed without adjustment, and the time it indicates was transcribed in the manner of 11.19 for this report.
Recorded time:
12.28
